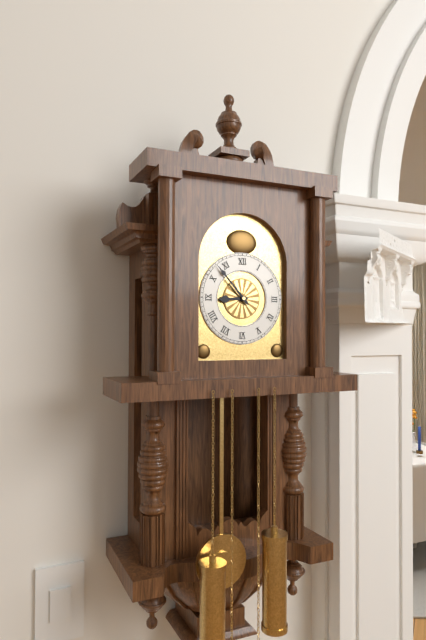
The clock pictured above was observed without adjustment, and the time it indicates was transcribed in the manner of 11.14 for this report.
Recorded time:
8.53
